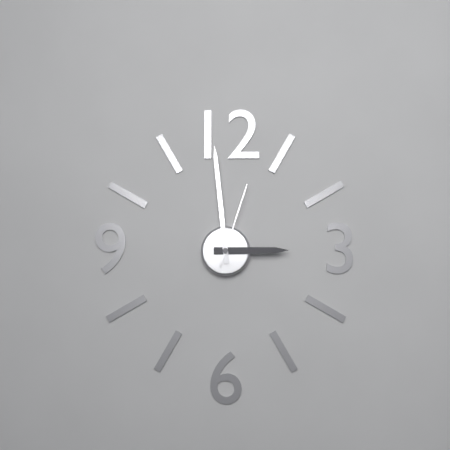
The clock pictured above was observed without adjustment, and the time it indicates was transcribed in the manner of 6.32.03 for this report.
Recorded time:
2.59.03
